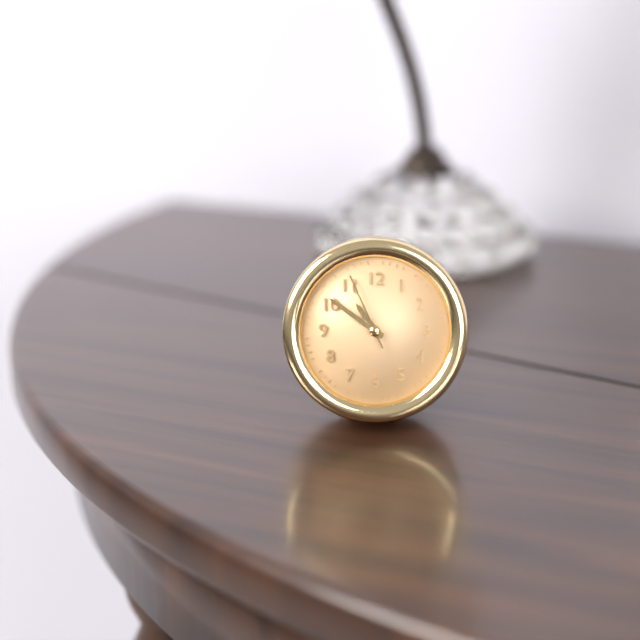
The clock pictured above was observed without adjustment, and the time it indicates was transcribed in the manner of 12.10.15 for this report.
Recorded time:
10.51.56
